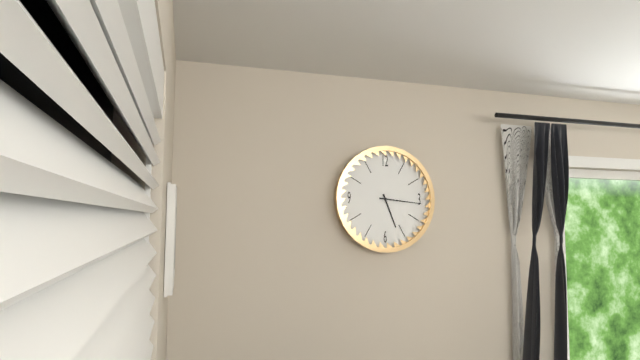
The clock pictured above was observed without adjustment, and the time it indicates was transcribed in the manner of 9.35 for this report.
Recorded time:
5.16
